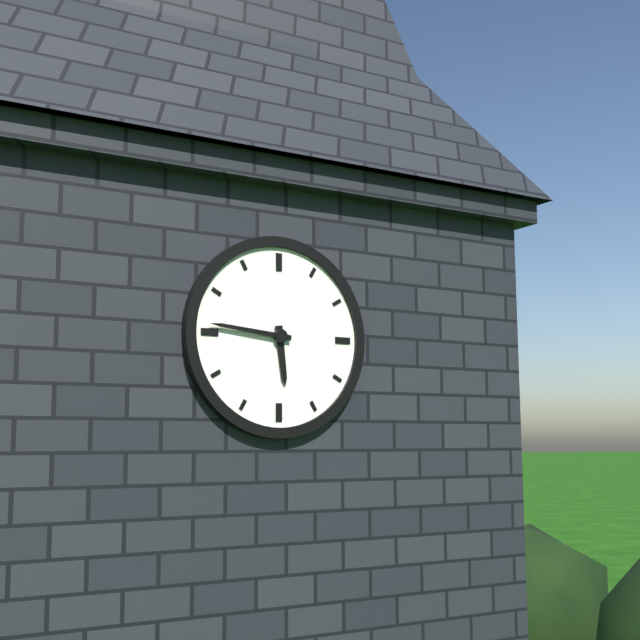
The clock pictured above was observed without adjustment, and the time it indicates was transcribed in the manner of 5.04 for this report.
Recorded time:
5.46
